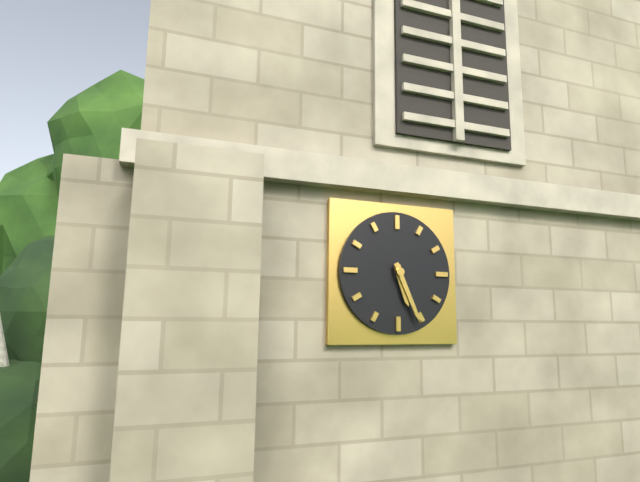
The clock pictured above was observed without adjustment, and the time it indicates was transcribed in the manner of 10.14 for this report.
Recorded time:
5.26
